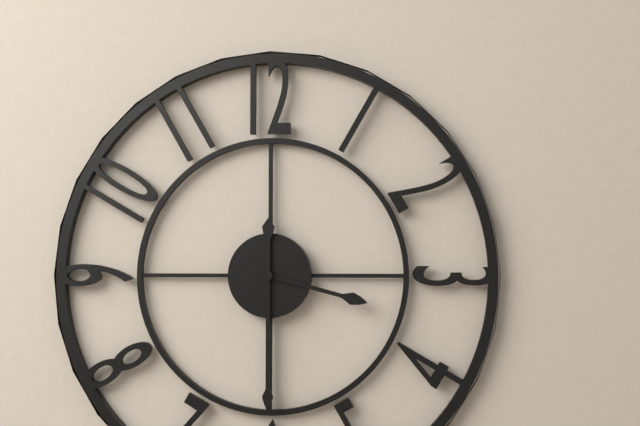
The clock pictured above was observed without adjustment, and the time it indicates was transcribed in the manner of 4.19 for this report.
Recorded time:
3.30
